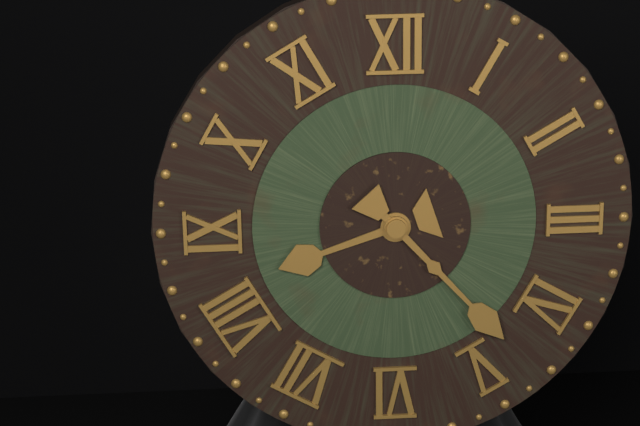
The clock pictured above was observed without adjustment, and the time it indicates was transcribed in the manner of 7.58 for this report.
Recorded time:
8.23
